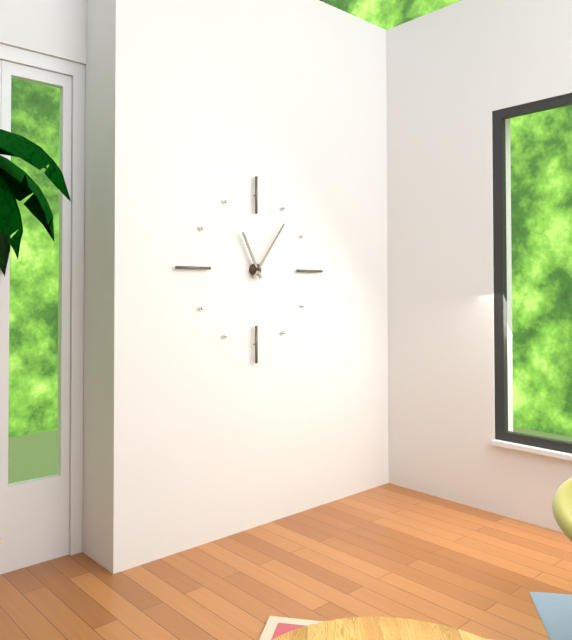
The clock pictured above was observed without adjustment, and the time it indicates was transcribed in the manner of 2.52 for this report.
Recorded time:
11.06
